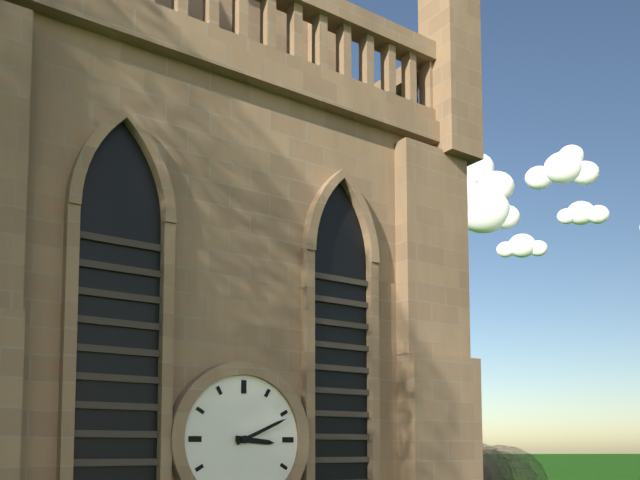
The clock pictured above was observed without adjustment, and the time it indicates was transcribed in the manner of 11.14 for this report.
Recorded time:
3.11
